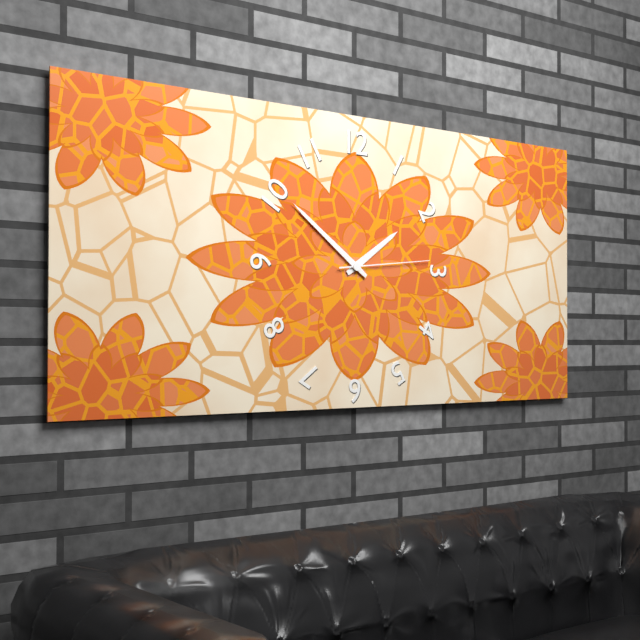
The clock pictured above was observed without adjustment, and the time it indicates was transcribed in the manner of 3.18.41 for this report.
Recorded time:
1.51.14
